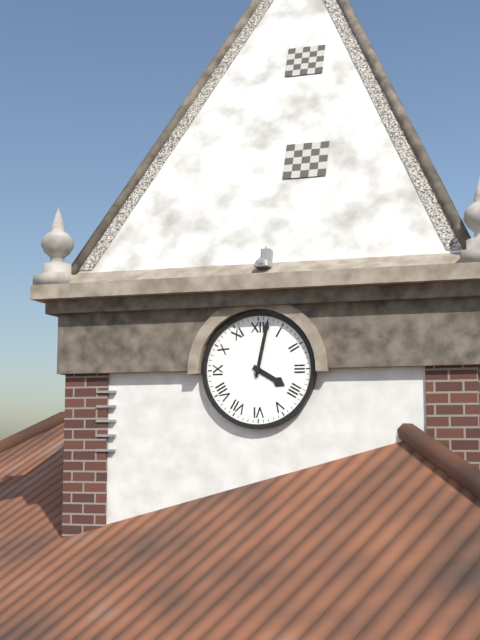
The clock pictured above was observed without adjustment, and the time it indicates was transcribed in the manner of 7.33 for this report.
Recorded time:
4.02
